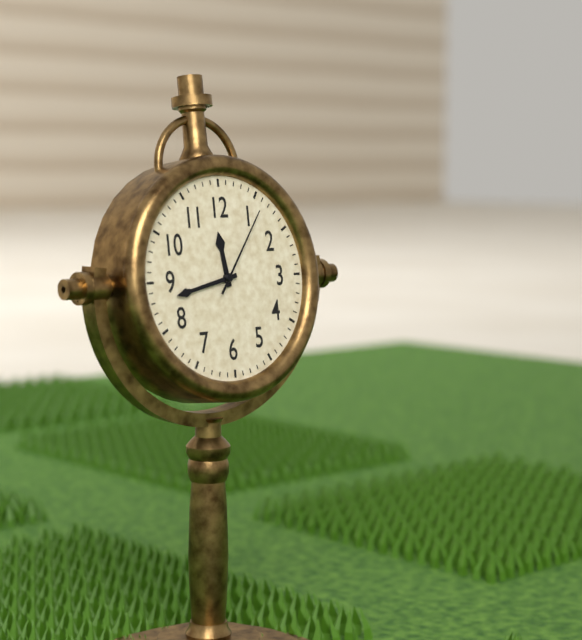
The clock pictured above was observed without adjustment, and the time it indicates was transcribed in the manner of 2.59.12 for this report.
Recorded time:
11.43.06
